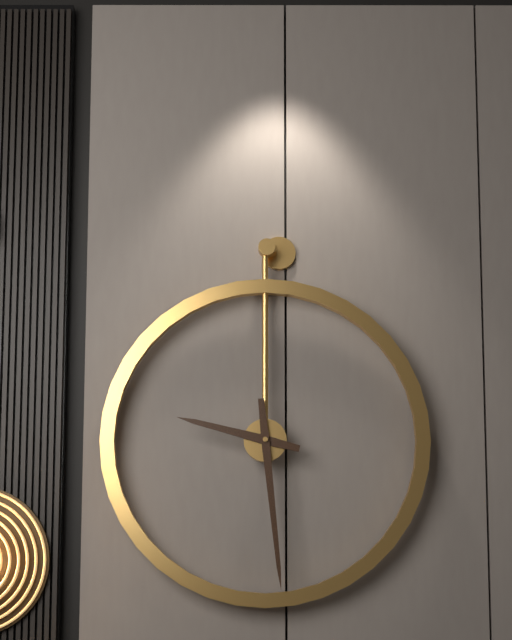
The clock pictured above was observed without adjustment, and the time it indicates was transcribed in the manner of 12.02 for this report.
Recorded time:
9.29
